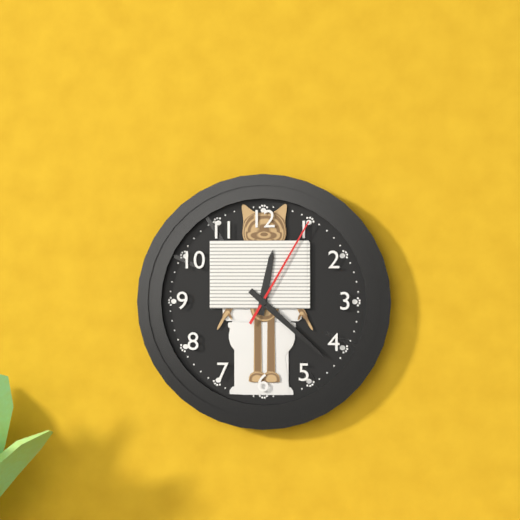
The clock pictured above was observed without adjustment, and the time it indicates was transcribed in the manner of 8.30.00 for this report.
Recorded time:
12.22.05
